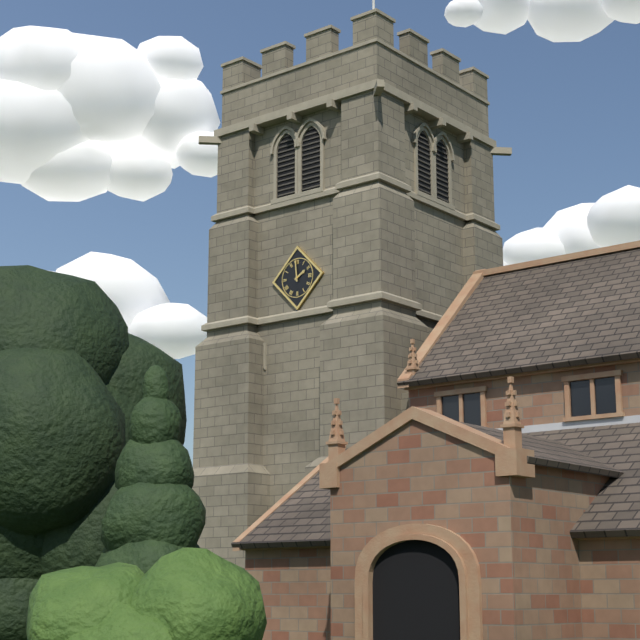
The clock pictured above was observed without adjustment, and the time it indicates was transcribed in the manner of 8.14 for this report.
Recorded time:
1.59
